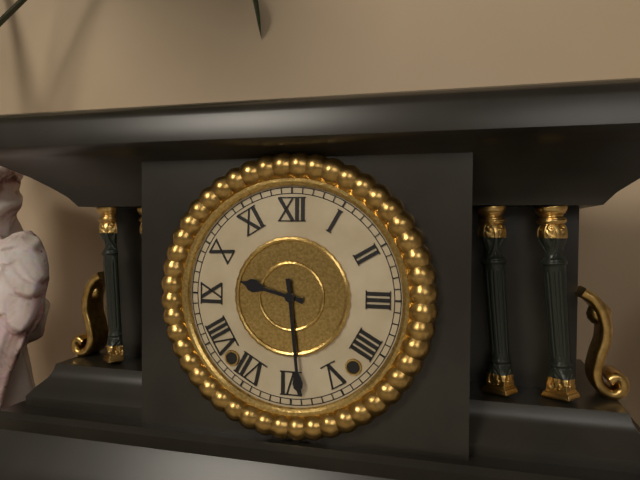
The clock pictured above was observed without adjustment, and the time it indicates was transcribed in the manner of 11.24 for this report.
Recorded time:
9.29
